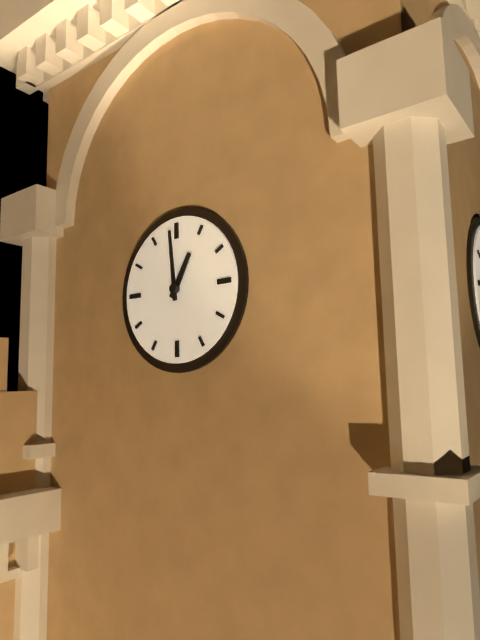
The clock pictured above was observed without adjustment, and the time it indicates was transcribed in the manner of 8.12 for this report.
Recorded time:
12.59
